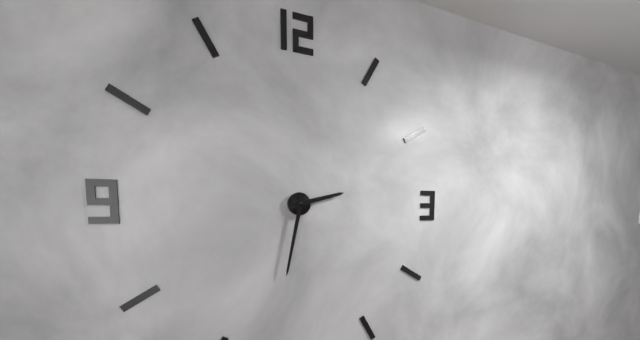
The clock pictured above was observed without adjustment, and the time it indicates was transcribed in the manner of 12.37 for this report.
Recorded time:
2.32
